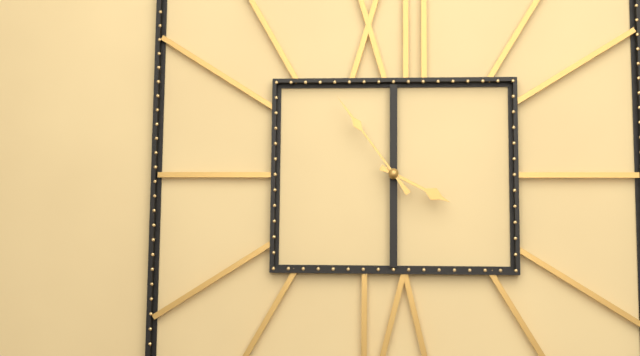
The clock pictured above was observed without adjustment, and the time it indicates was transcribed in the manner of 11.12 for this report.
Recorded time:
3.54
